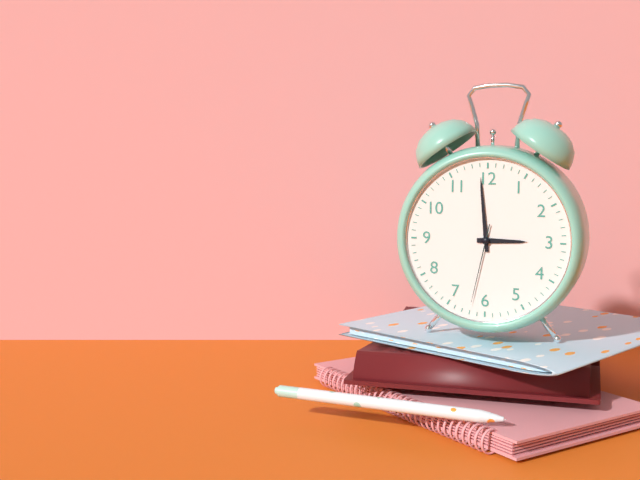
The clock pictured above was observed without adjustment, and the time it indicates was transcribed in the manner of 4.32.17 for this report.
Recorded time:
2.59.32
